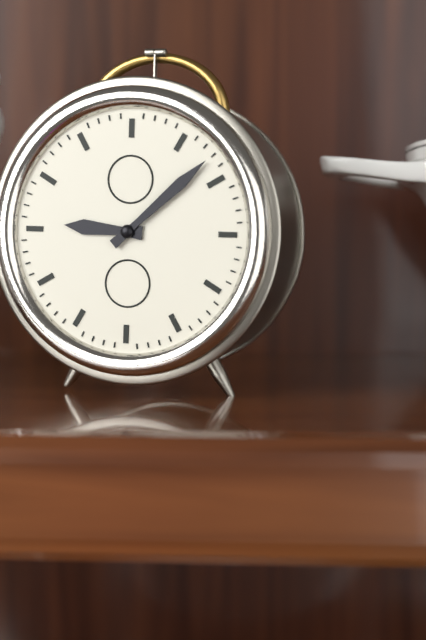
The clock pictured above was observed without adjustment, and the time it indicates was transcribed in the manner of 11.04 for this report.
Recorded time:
9.08
